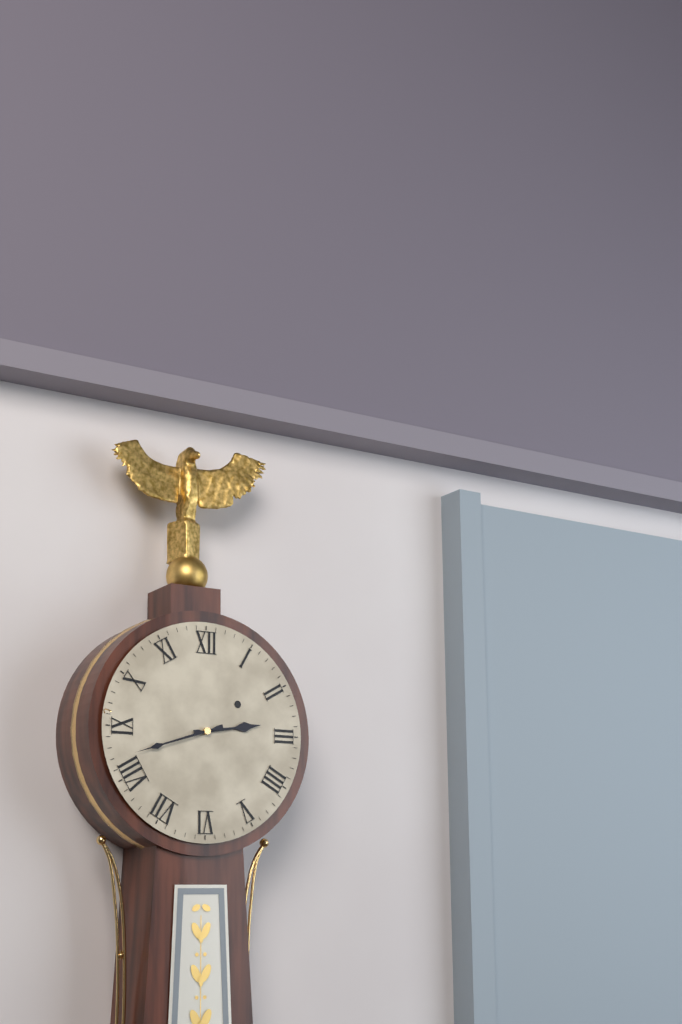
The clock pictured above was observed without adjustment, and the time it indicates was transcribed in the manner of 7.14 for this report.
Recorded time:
2.42
